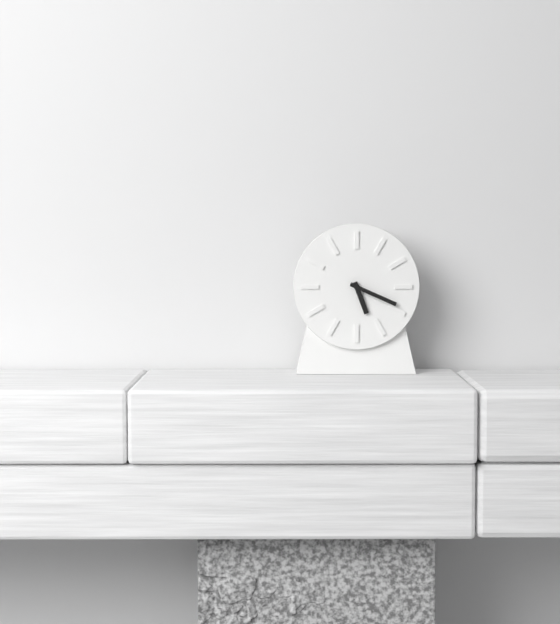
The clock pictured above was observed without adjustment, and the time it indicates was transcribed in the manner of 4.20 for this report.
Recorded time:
5.19
